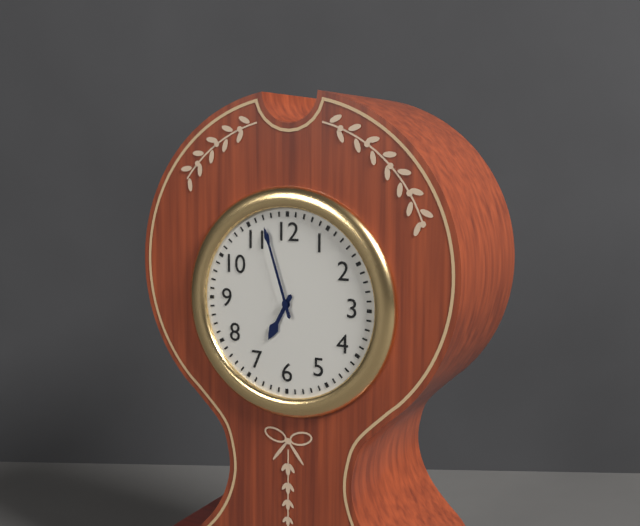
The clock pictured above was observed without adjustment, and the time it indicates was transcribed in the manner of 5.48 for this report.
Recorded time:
6.57
